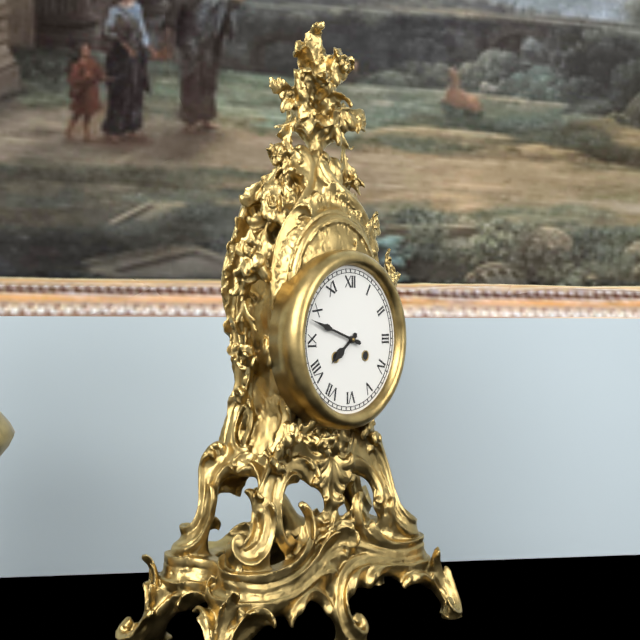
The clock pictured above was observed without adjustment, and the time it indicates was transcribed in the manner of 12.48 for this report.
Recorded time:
7.48
